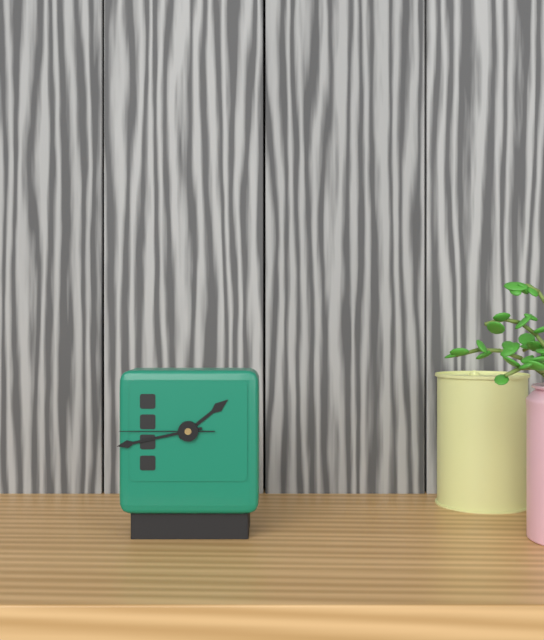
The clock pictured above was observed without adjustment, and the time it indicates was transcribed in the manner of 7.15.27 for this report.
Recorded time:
1.43.45
